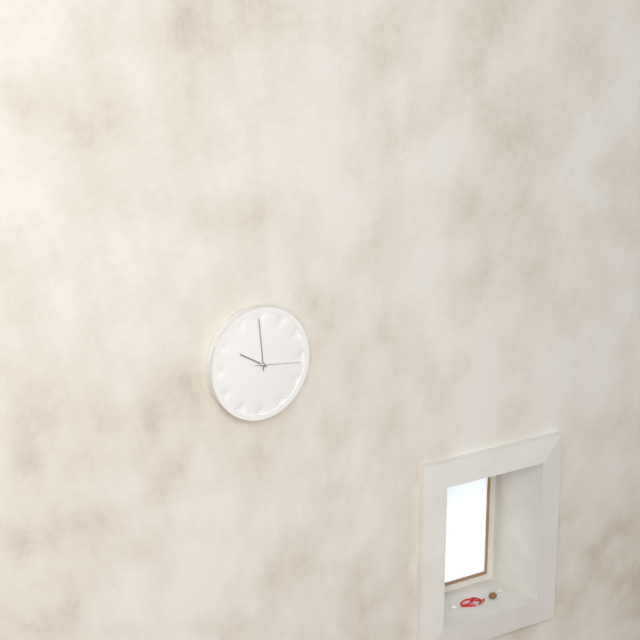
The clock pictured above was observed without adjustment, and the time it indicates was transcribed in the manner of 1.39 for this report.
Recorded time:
9.59
